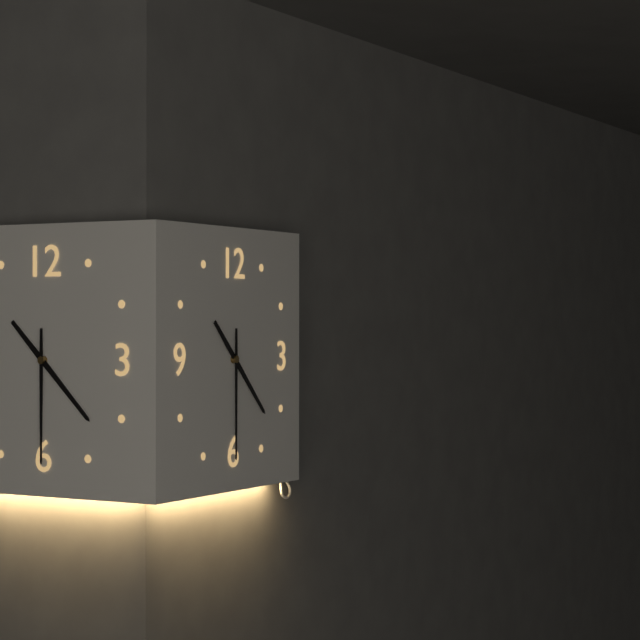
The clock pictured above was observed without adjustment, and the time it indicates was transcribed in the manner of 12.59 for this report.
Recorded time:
4.30
